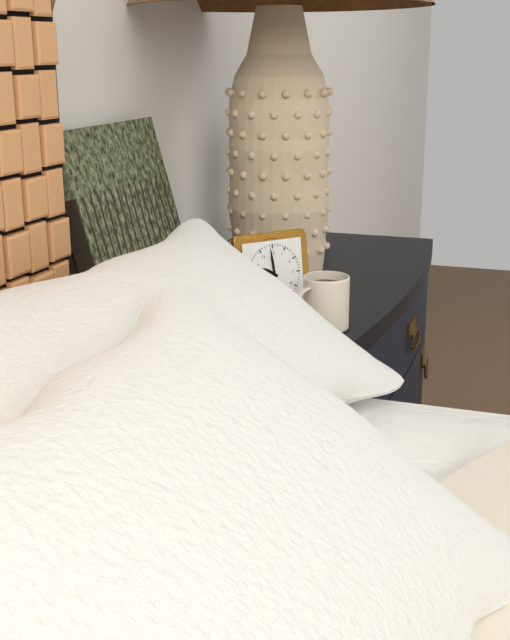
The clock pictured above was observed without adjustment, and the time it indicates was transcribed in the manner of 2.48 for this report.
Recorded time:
9.59
